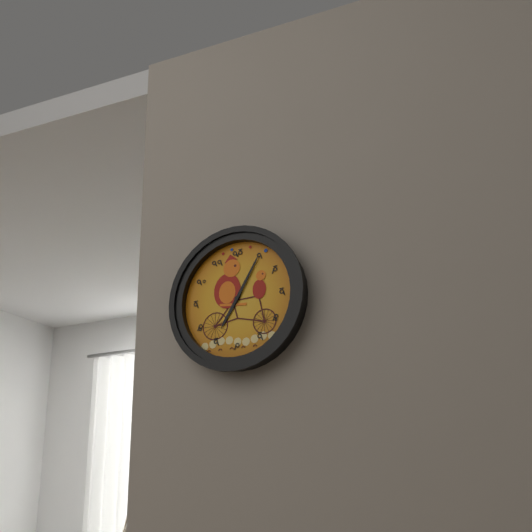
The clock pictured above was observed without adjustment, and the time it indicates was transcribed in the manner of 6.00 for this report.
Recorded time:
7.05
